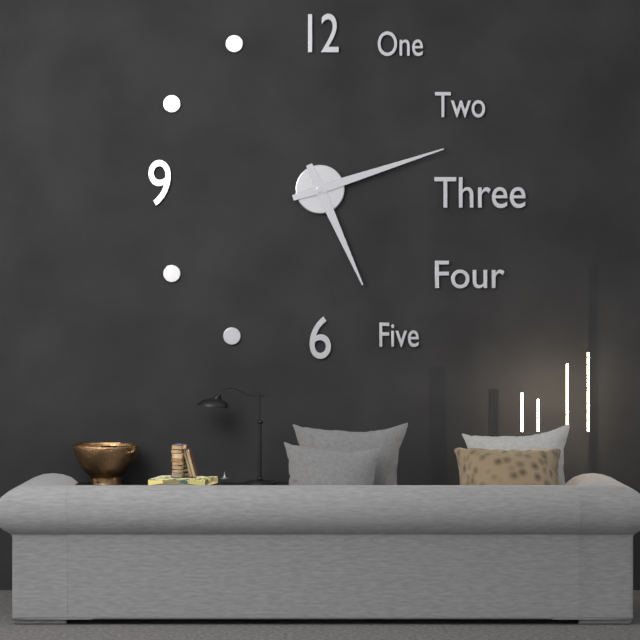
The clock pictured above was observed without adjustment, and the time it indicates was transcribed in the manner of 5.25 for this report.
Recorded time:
5.12
